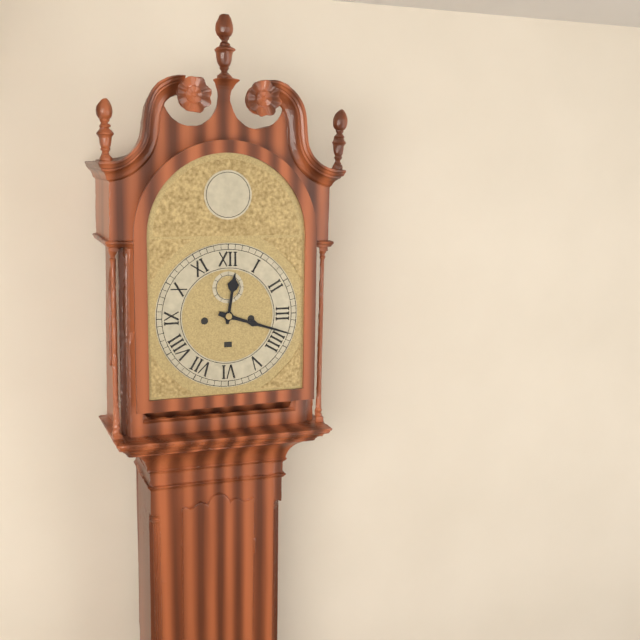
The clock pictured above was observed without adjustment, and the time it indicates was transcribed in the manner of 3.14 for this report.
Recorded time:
12.18
